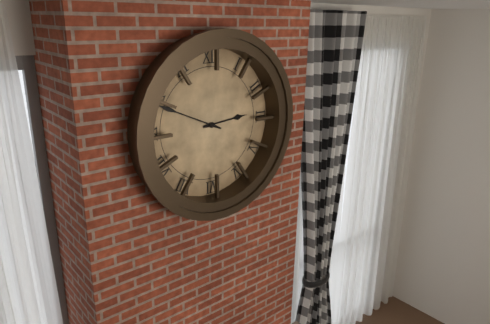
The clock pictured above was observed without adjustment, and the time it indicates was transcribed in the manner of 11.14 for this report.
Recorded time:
2.49
